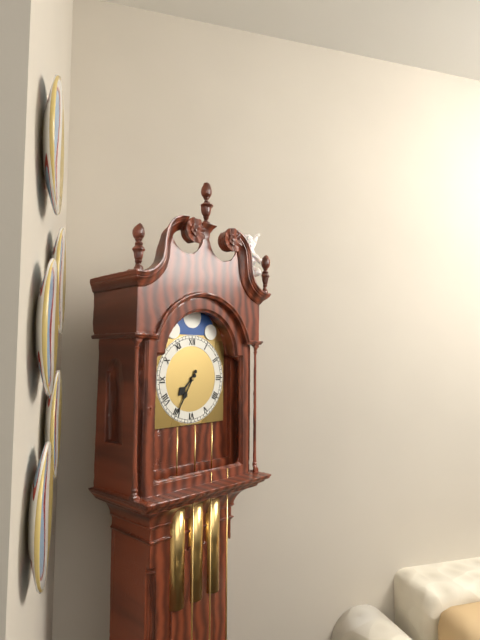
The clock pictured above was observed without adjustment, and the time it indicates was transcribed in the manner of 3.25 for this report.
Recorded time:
7.35
